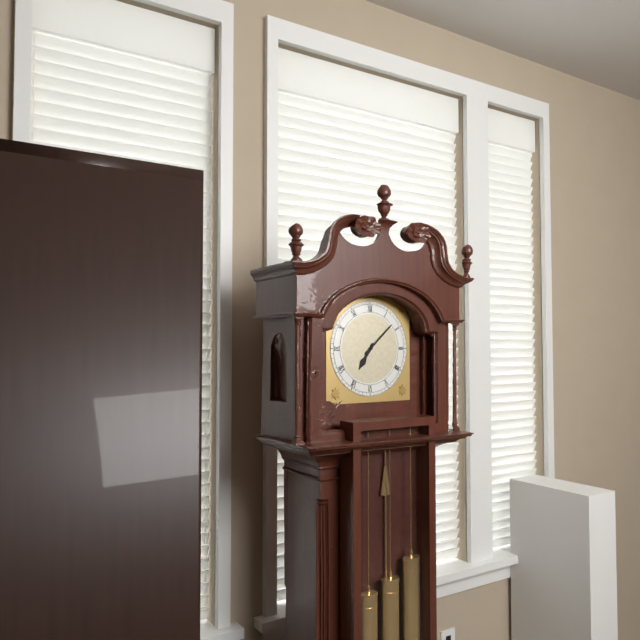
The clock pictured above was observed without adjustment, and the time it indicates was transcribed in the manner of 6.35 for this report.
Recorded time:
7.08
